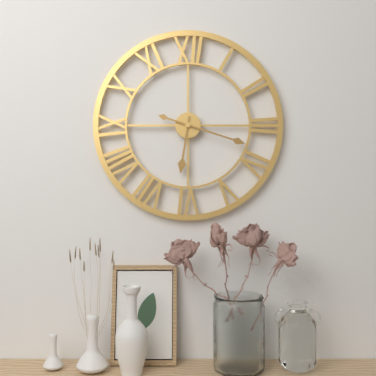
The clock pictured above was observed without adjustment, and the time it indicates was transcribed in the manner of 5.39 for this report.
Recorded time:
6.18
